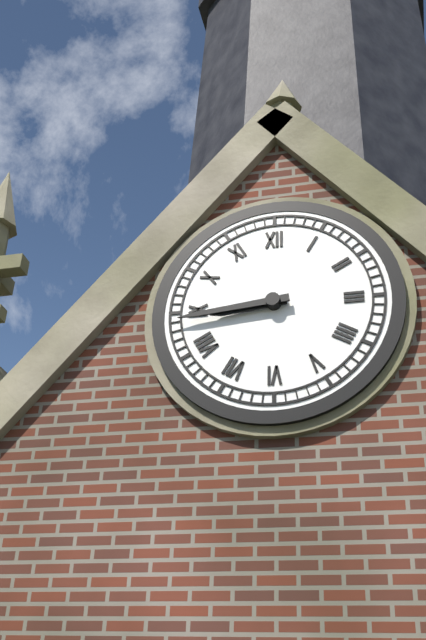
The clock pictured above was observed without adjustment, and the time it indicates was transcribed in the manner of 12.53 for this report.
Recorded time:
8.44
